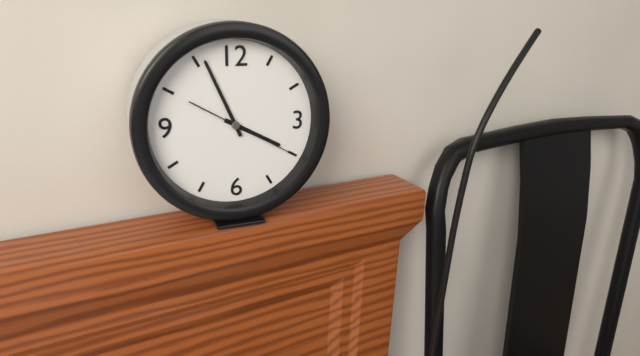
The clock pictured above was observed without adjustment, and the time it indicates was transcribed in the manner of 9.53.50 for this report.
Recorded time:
3.56.20
